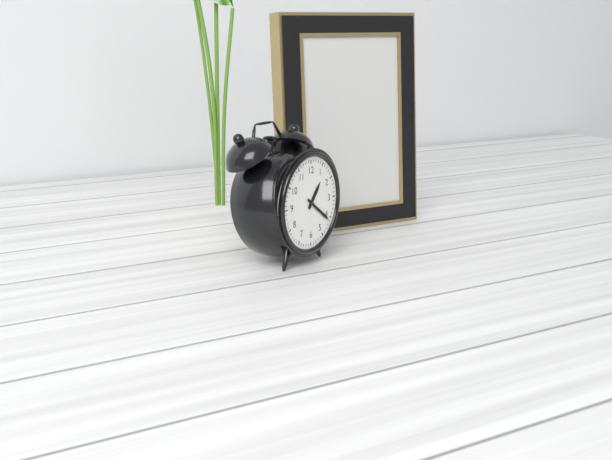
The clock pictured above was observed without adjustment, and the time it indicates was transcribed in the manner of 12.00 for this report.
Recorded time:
1.21
